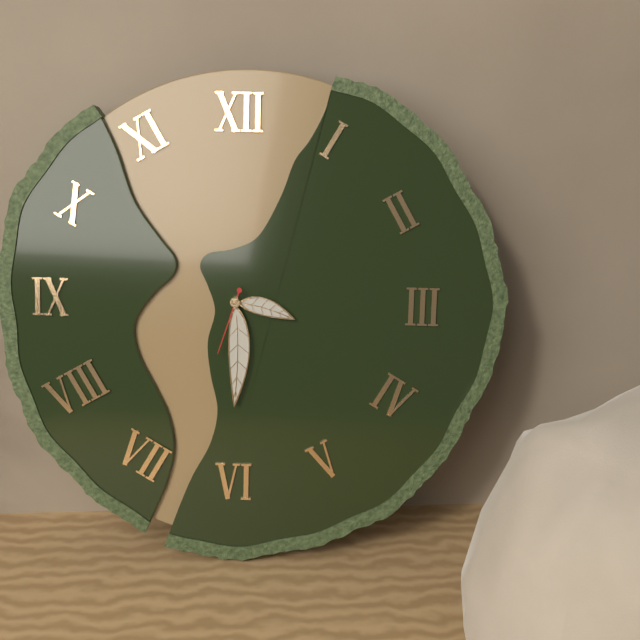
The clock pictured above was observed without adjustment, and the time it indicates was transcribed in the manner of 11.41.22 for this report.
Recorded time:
3.30.33
